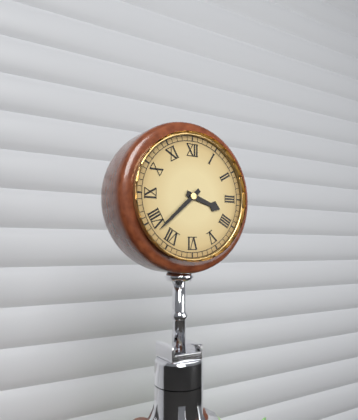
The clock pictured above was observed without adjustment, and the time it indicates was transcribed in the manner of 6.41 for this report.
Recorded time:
3.38
